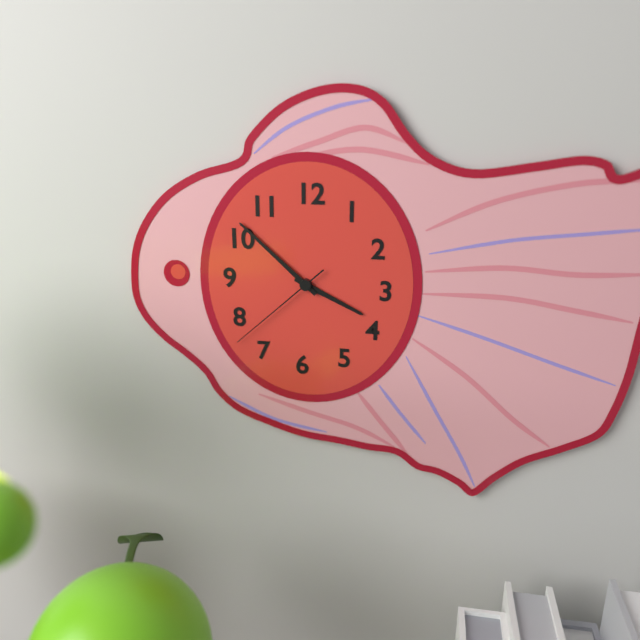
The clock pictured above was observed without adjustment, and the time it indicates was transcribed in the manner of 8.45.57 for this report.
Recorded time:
3.52.38
